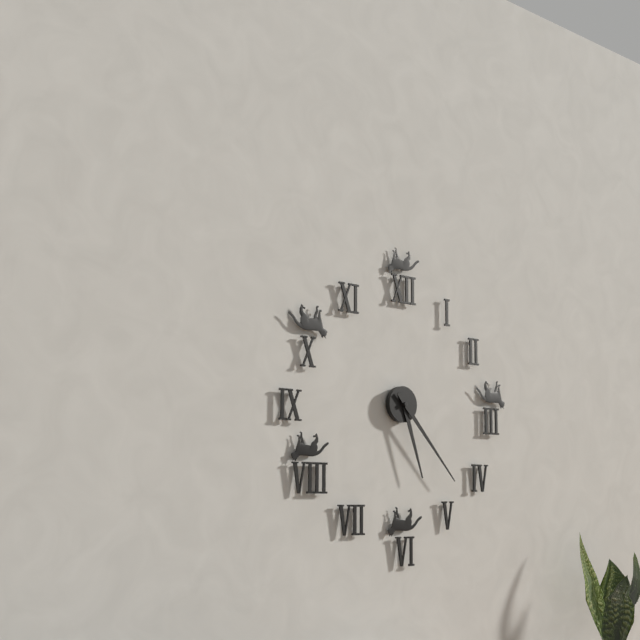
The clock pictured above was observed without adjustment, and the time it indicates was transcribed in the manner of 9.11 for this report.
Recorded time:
5.23
